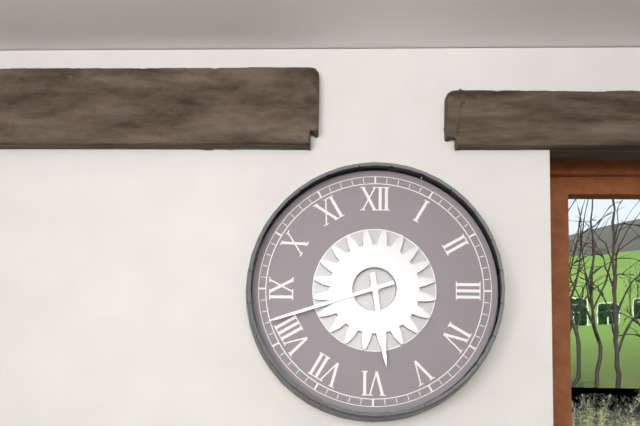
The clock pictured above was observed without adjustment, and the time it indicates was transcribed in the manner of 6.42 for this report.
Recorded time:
5.42
